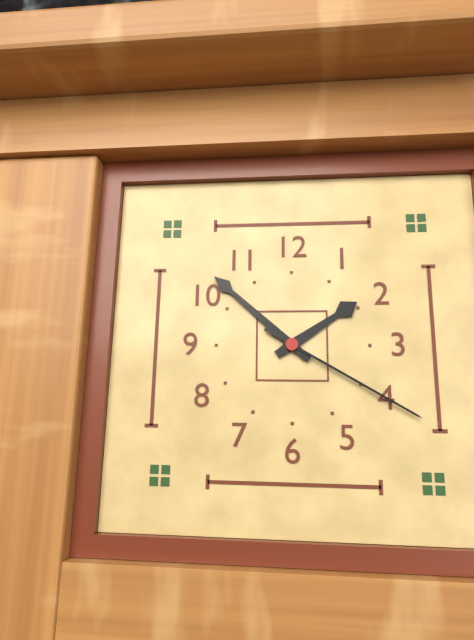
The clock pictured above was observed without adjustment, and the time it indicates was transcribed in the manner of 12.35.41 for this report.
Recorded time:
1.52.20
